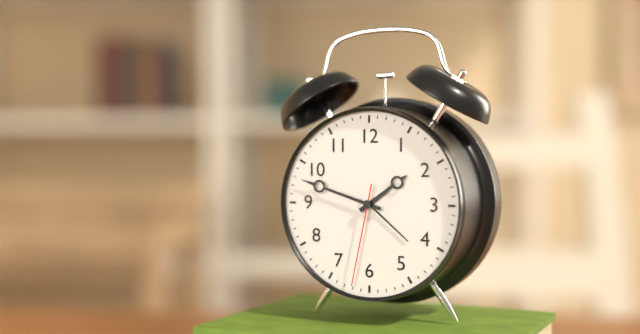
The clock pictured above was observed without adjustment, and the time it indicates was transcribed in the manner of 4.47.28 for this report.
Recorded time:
1.48.32
